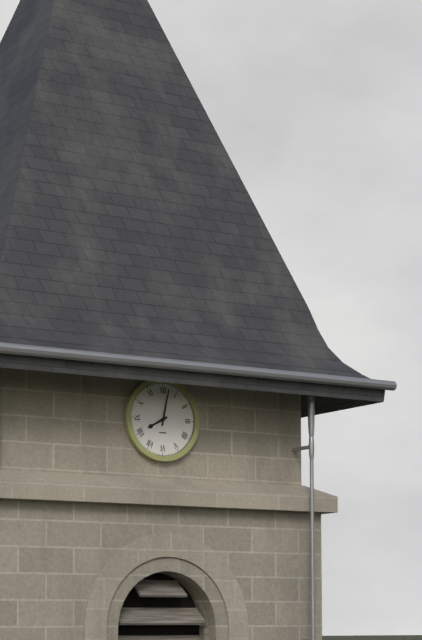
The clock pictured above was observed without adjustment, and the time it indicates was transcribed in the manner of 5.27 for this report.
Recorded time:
8.02
